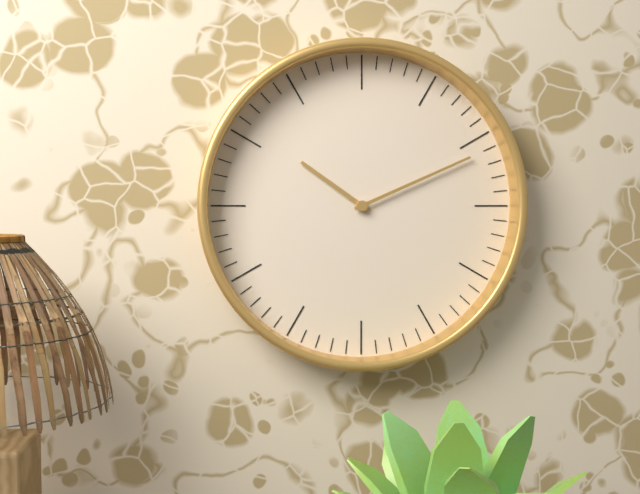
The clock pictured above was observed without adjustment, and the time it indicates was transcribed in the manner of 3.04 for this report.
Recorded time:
10.11
